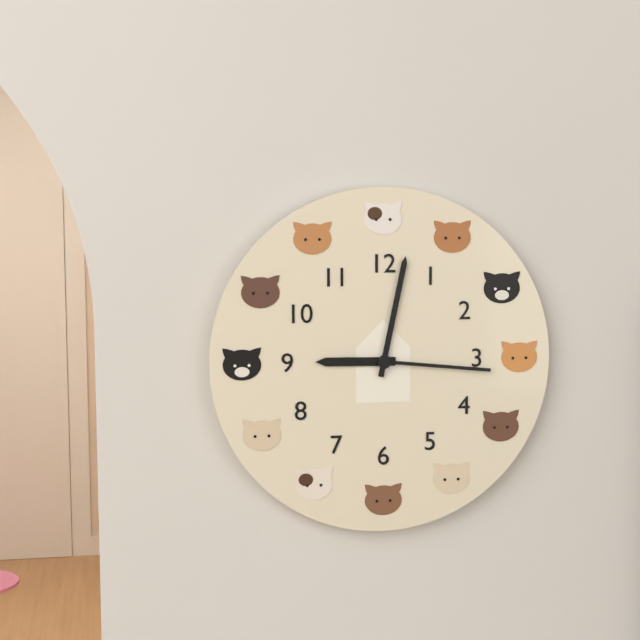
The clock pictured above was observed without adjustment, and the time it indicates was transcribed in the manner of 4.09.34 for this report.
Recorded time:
9.02.16
